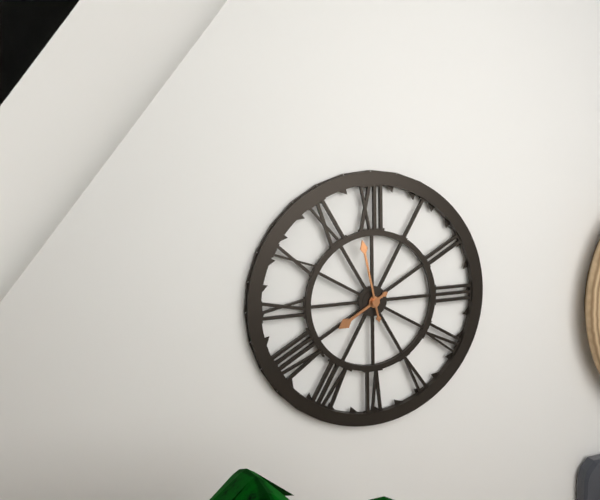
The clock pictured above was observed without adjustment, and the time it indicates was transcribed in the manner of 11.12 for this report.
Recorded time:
7.58
